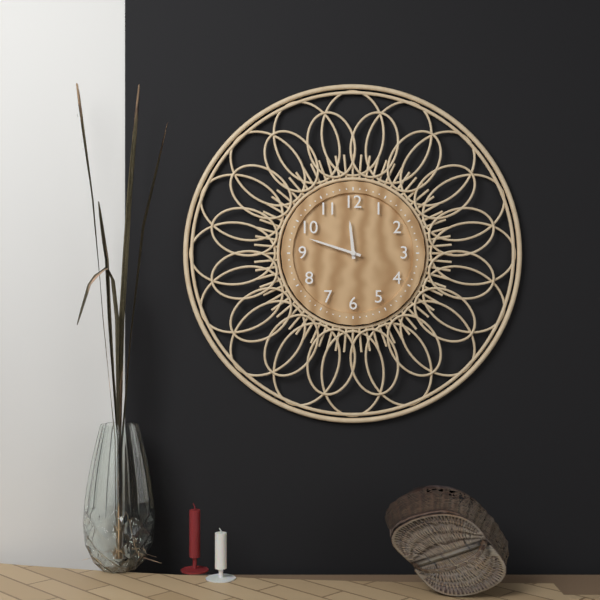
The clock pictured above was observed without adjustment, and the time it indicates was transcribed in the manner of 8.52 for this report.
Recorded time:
11.48
